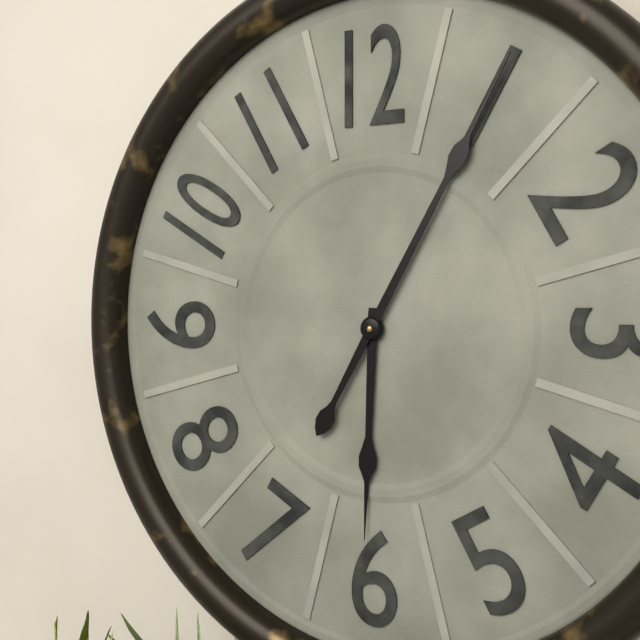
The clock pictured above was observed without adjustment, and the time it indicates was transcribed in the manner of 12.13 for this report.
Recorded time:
6.05
